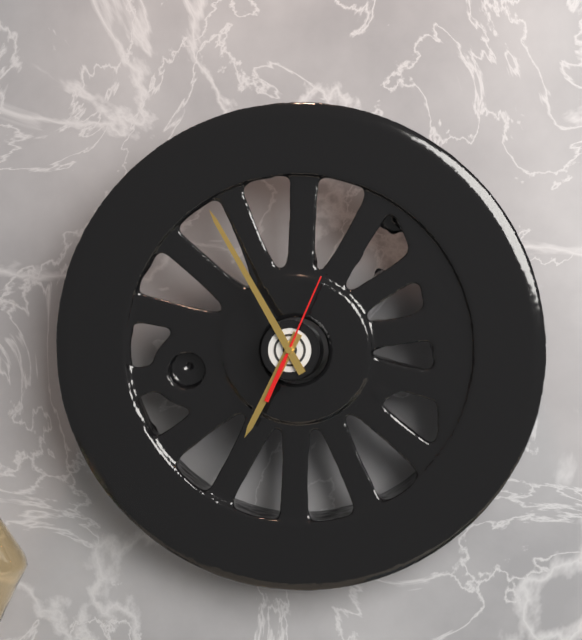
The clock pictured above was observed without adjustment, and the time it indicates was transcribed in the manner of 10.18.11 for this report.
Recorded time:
6.55.04
